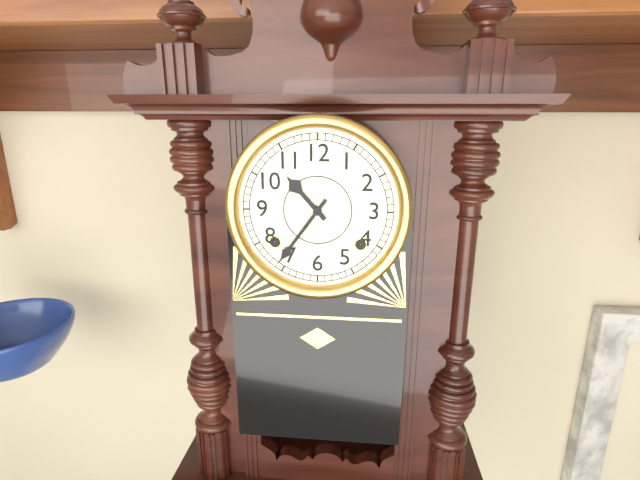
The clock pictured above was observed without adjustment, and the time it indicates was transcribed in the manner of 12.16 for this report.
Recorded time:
10.36
